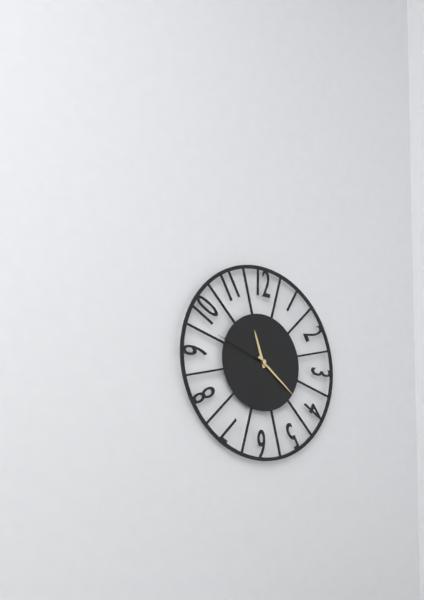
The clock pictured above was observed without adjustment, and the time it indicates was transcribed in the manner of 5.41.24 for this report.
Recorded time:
11.21.48
